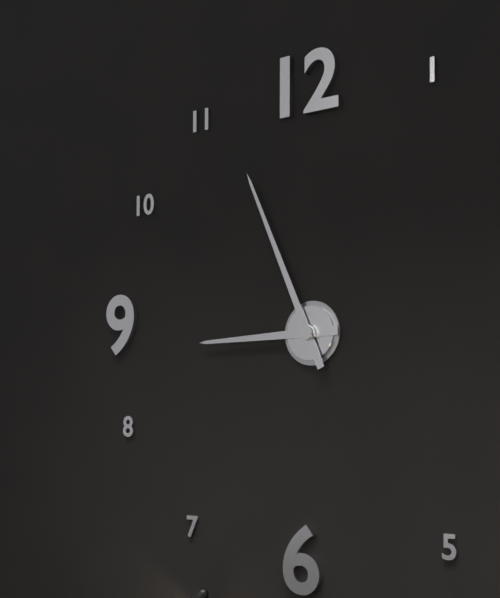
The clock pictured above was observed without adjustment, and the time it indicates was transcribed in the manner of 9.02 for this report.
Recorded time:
8.56
